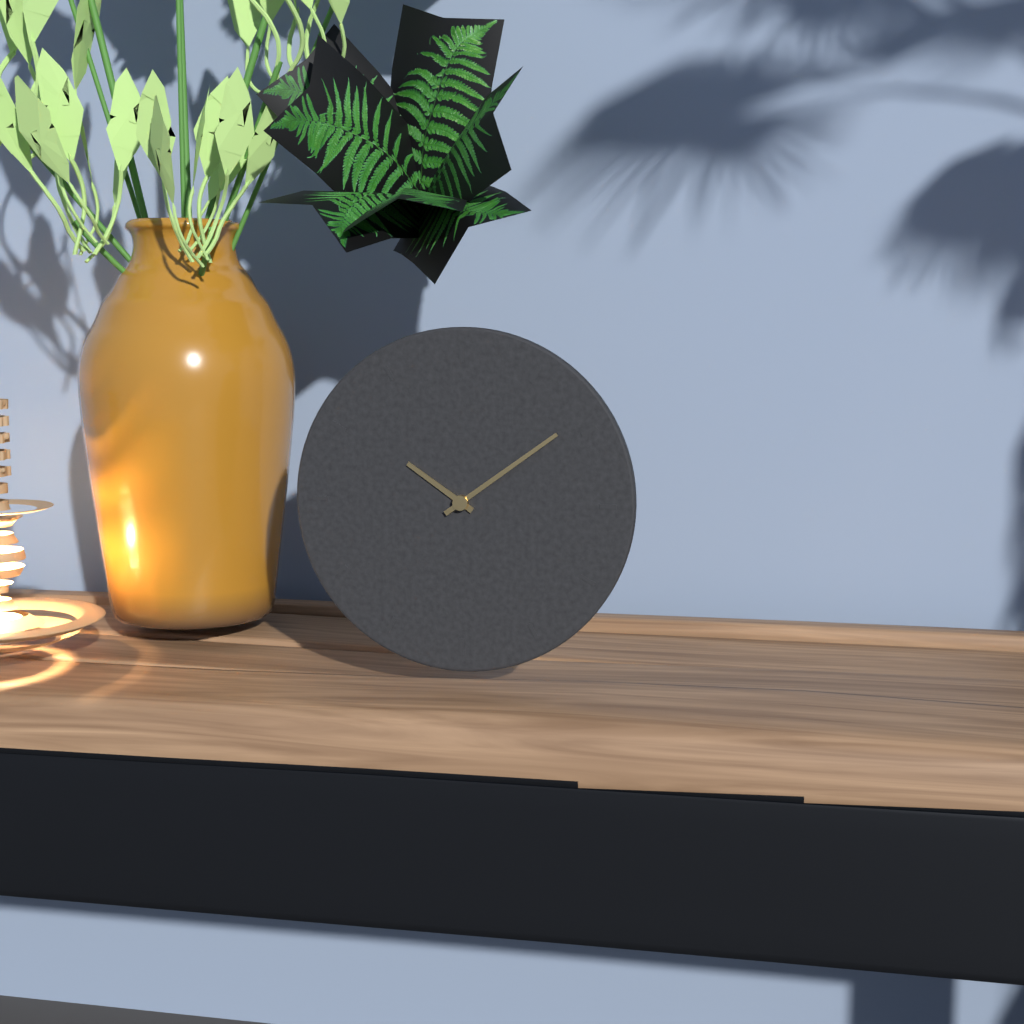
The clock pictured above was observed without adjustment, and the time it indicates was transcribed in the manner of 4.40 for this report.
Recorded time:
10.09
